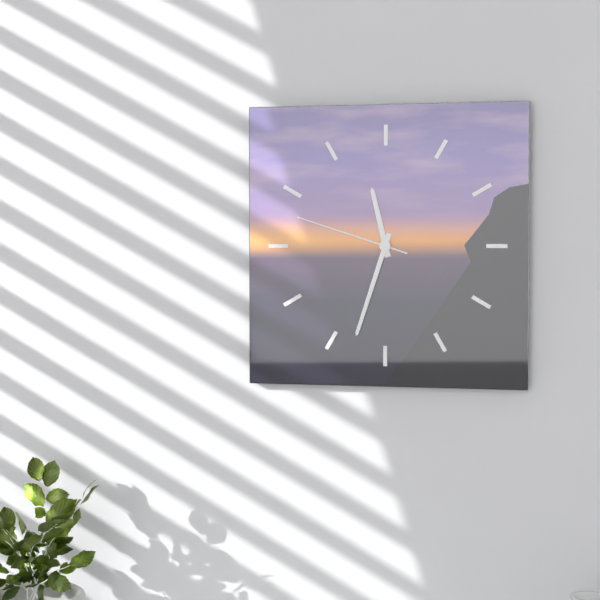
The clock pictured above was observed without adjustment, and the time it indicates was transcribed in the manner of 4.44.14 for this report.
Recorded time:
11.33.48
